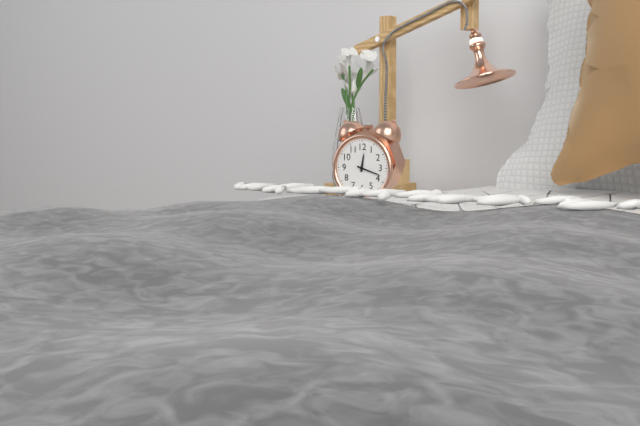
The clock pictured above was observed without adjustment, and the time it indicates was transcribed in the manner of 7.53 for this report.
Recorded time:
12.18
